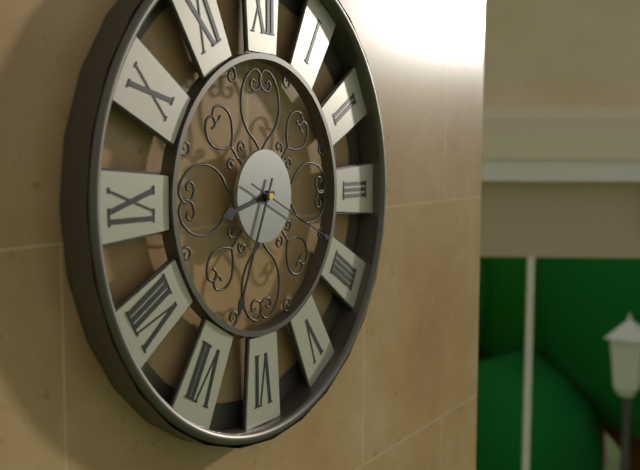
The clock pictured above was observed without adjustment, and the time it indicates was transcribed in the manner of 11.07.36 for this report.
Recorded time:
8.34.19
